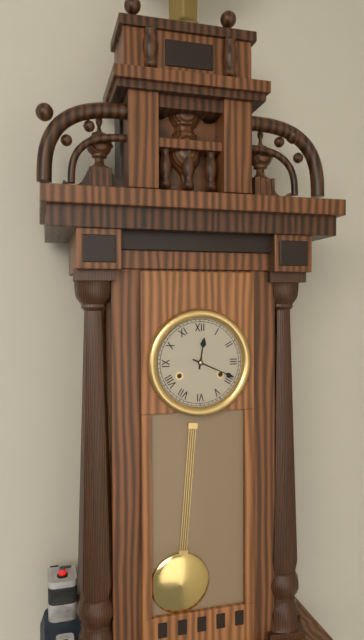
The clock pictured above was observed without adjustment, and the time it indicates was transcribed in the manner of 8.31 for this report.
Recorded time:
12.19
